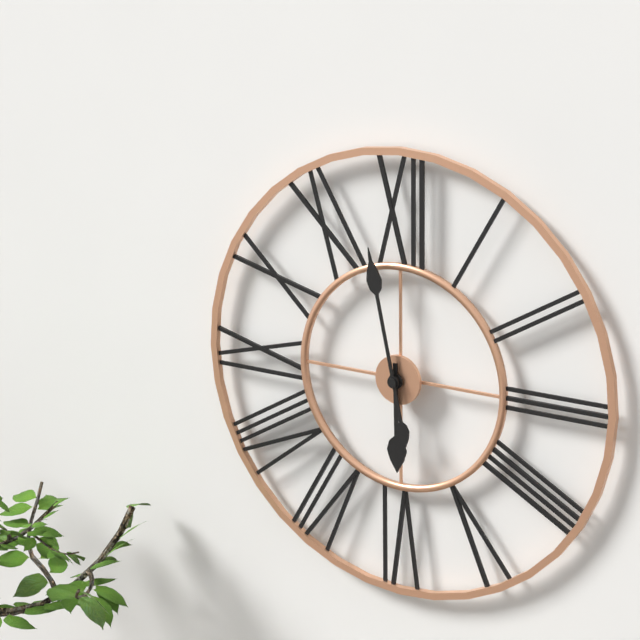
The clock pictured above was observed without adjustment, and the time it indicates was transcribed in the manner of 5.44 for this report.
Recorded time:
5.58
